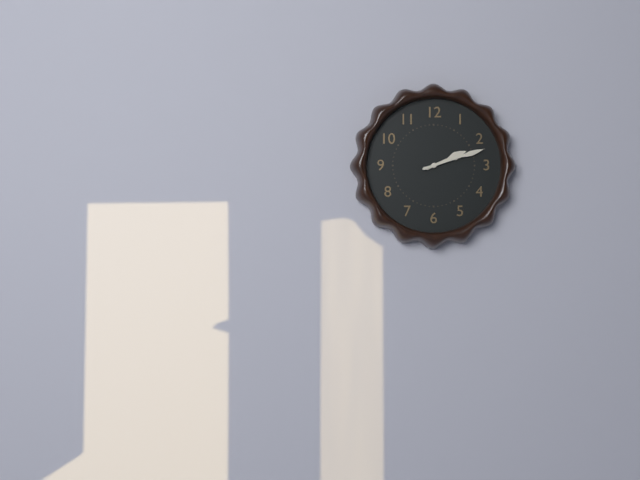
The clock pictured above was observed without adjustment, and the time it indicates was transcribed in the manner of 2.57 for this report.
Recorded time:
2.12
